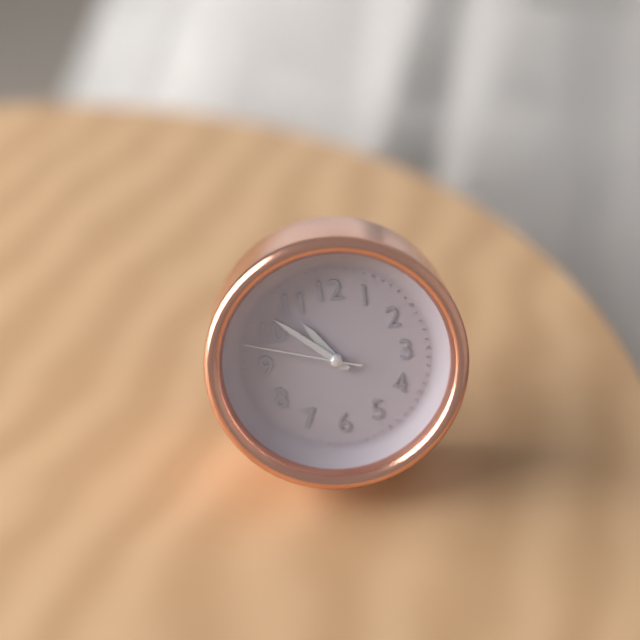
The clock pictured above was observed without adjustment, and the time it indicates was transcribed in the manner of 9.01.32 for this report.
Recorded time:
10.52.48
